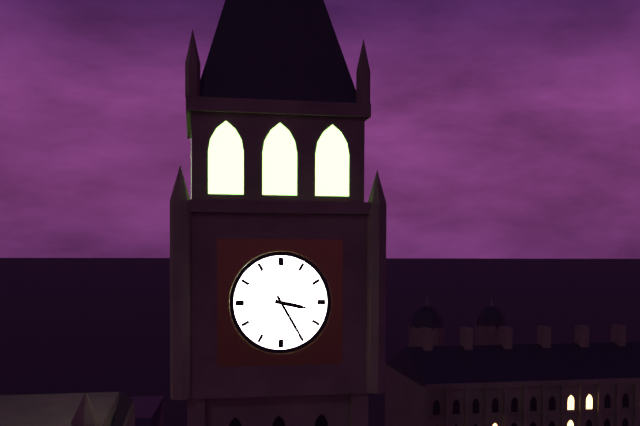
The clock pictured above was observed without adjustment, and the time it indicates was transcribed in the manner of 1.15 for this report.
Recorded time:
3.25
